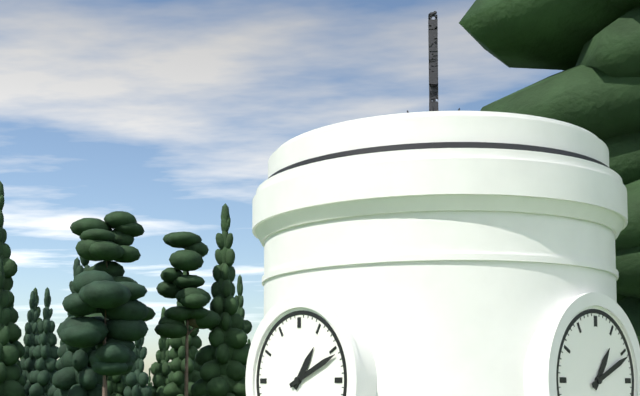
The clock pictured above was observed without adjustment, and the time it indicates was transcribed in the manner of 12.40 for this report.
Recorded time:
1.11
